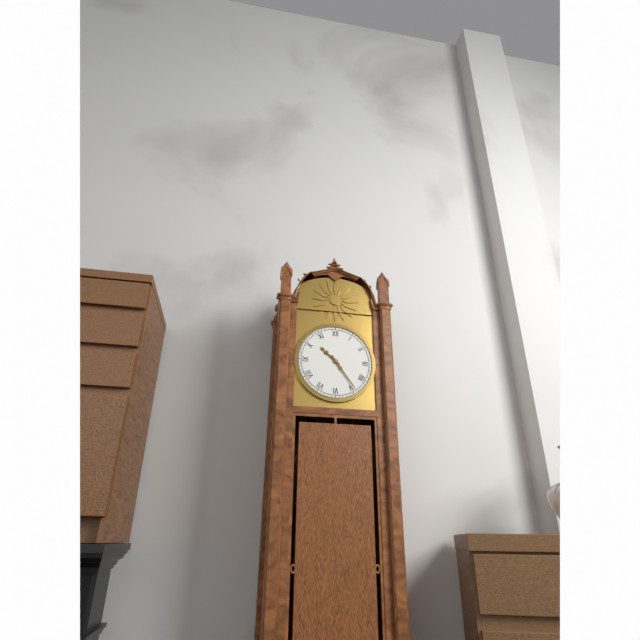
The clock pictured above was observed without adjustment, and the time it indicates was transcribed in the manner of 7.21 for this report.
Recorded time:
10.24
